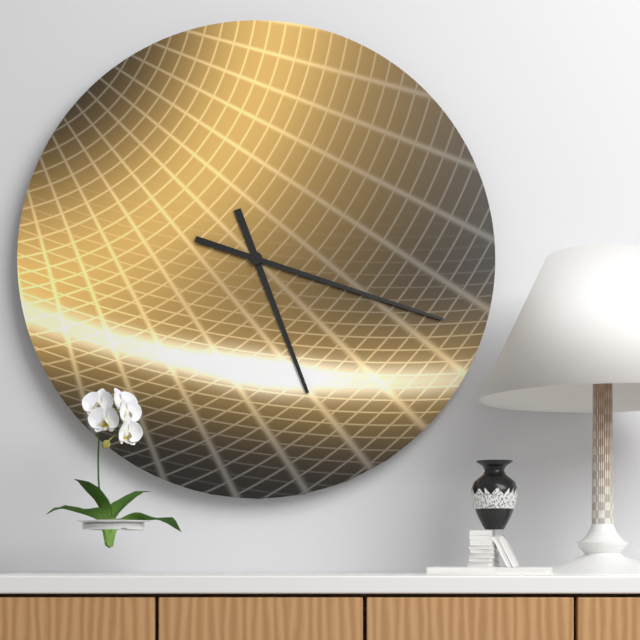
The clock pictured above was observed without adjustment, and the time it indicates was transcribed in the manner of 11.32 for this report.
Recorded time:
5.18
